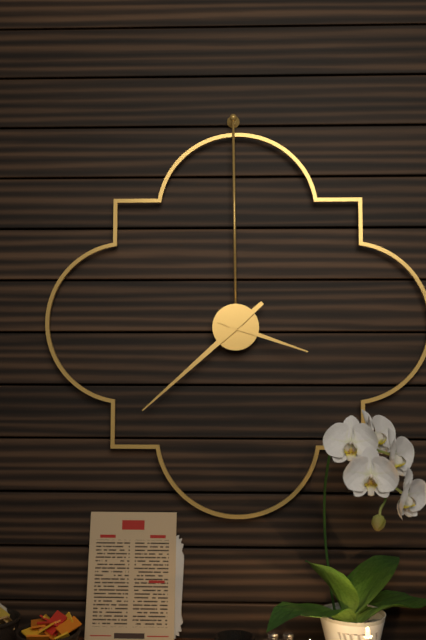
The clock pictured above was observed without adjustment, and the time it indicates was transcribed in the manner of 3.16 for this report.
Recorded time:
3.38
